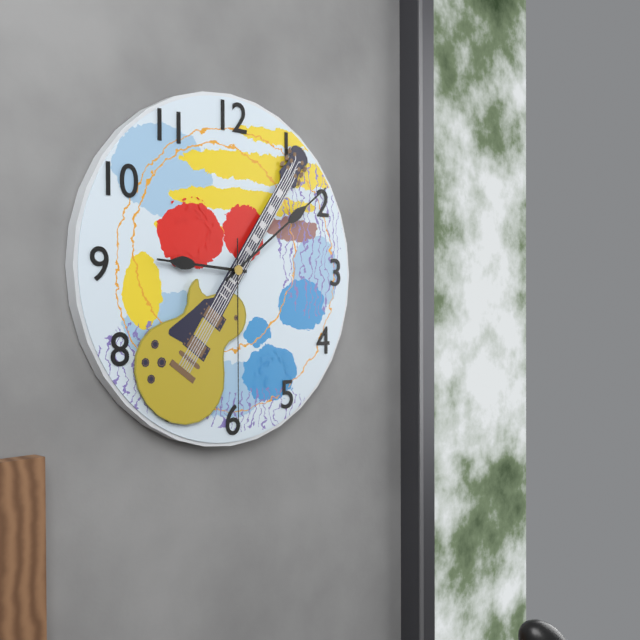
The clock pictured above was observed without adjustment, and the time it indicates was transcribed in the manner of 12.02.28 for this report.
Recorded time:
9.09.30
